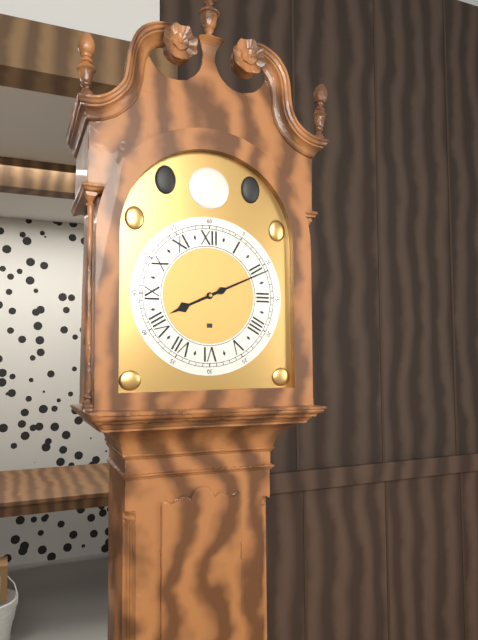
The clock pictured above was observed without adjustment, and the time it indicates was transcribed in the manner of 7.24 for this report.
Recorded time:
8.11
